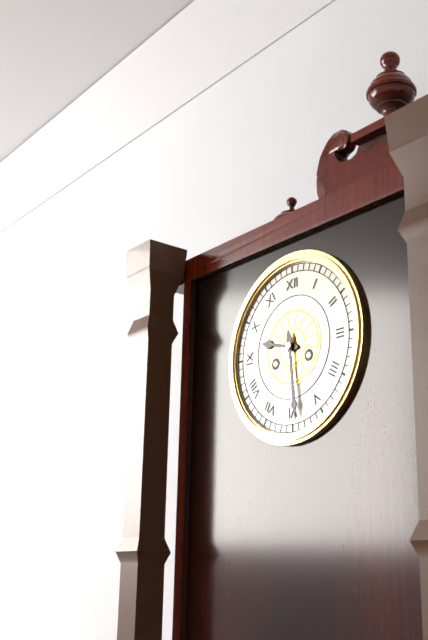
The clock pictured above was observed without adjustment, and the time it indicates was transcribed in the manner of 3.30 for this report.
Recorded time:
9.29
